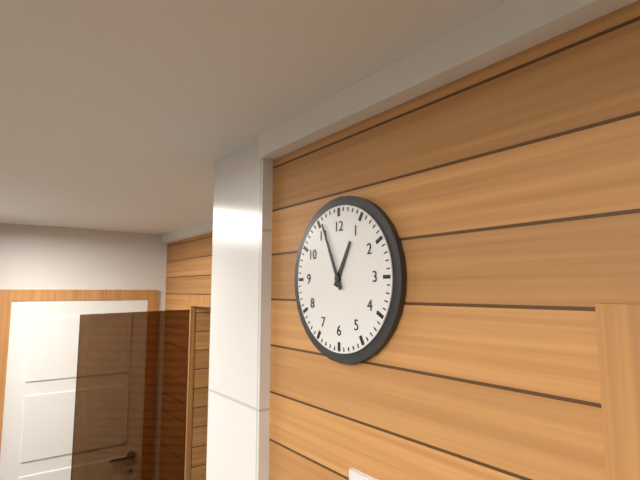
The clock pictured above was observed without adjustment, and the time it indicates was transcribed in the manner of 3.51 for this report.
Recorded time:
12.56
